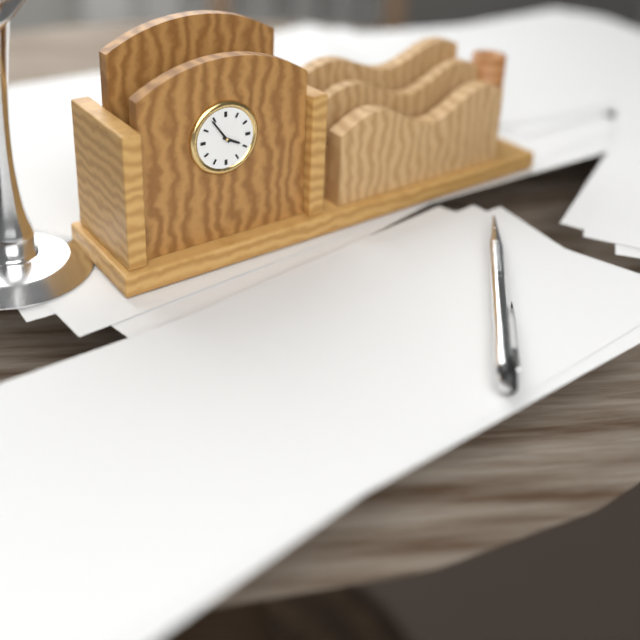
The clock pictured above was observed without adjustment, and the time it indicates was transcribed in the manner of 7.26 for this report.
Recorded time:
3.54
